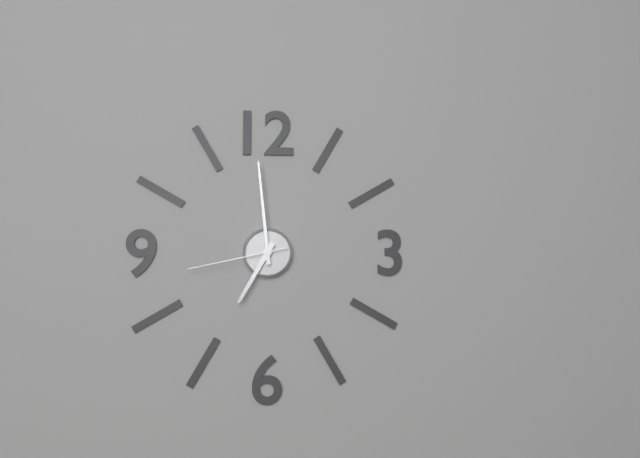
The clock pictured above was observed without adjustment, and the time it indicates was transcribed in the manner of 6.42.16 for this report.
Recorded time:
6.59.43
